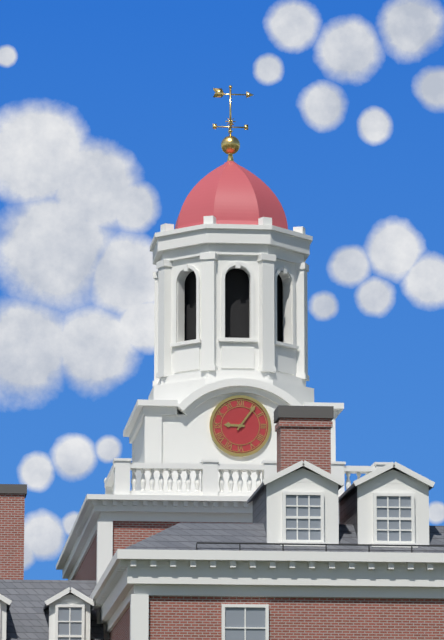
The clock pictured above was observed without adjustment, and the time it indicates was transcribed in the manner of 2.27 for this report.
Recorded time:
9.06
